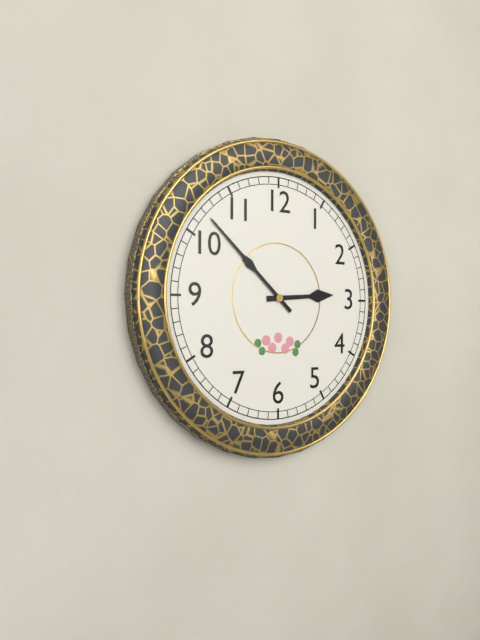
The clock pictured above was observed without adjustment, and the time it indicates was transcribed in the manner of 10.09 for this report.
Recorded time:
2.52
